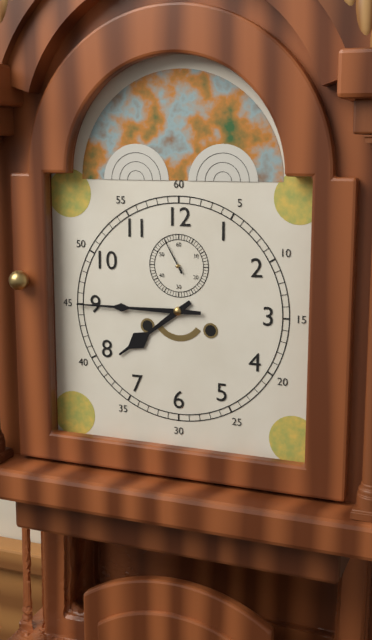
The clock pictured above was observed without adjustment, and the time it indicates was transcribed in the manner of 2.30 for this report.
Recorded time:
7.45
